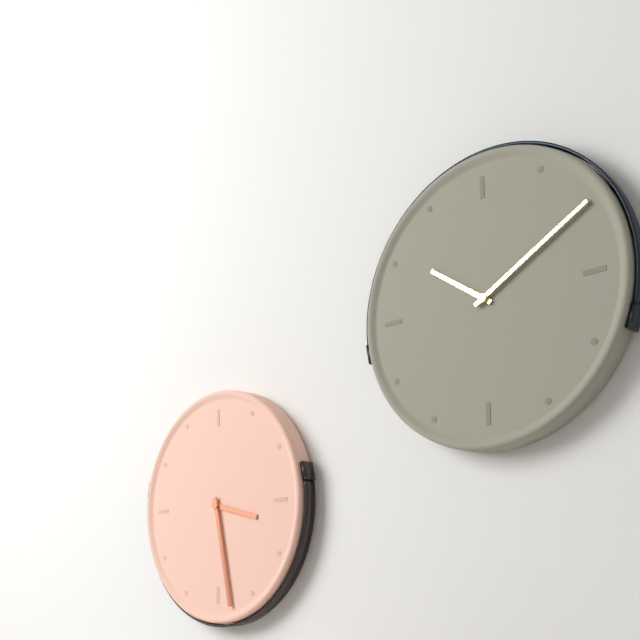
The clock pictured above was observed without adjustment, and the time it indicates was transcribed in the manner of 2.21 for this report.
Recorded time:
3.28
